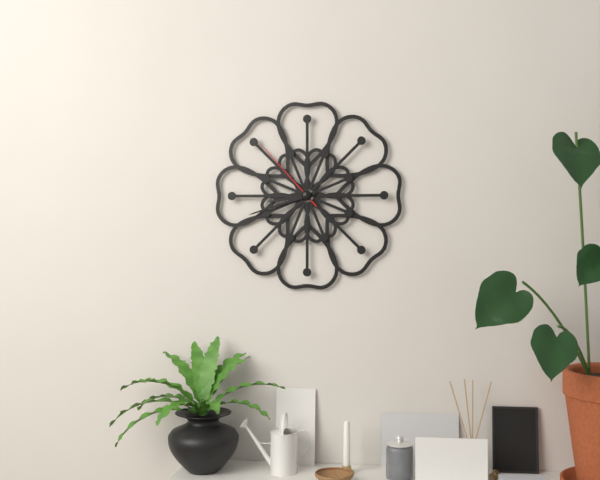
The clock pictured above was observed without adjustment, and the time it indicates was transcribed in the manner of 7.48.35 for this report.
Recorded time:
8.42.53
